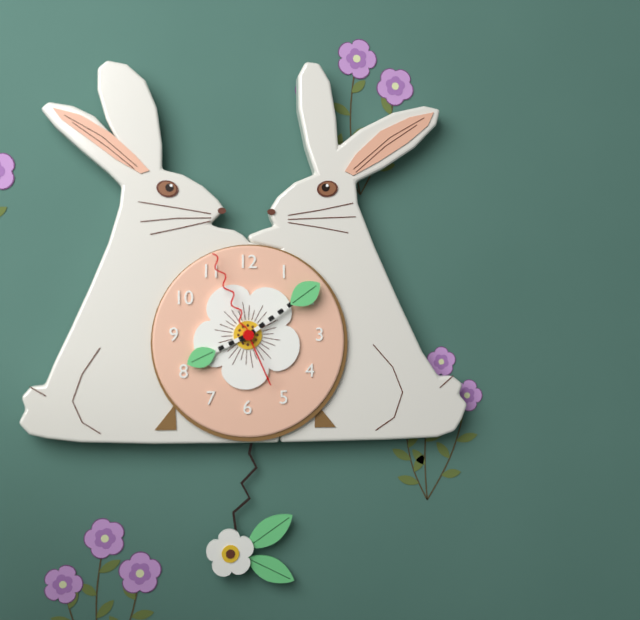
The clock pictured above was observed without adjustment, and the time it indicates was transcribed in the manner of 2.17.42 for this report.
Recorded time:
8.09.56
